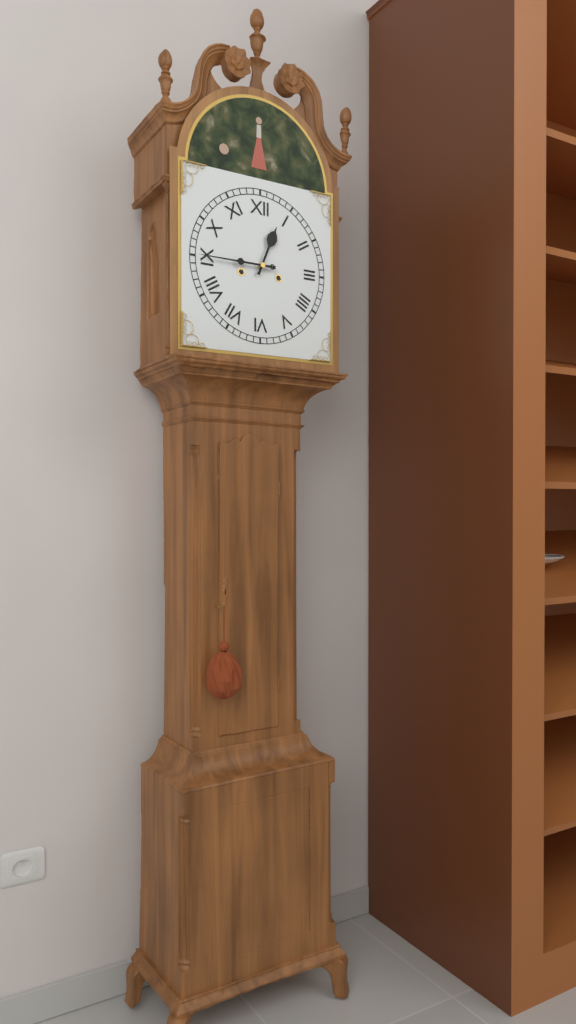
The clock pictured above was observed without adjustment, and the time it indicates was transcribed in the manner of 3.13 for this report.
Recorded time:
12.45
